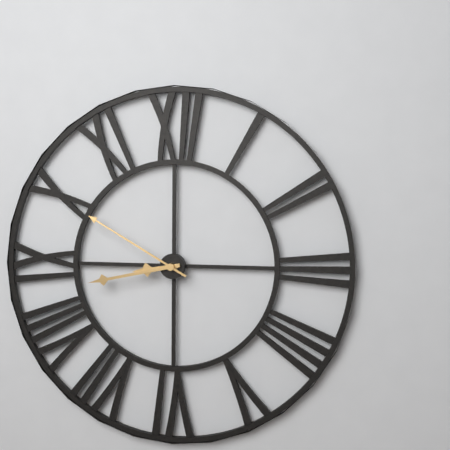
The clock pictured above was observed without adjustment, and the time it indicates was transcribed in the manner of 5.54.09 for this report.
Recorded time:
8.43.50
